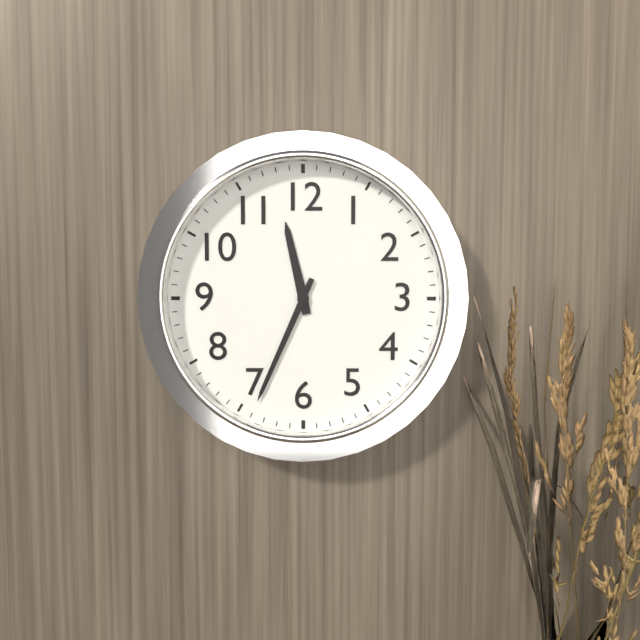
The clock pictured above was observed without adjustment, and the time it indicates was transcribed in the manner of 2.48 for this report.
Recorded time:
11.34
